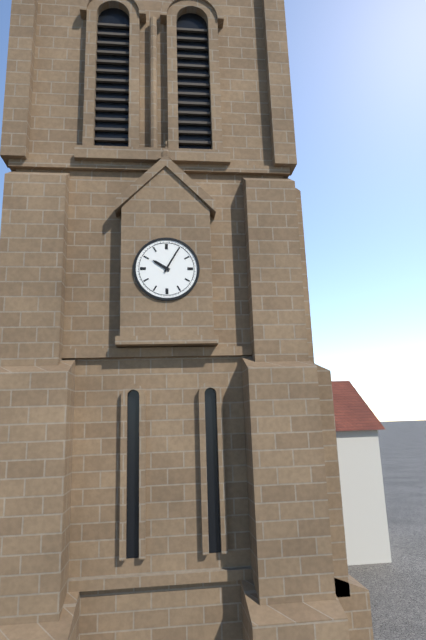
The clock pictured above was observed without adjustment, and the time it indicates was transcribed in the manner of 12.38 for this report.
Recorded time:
10.05
